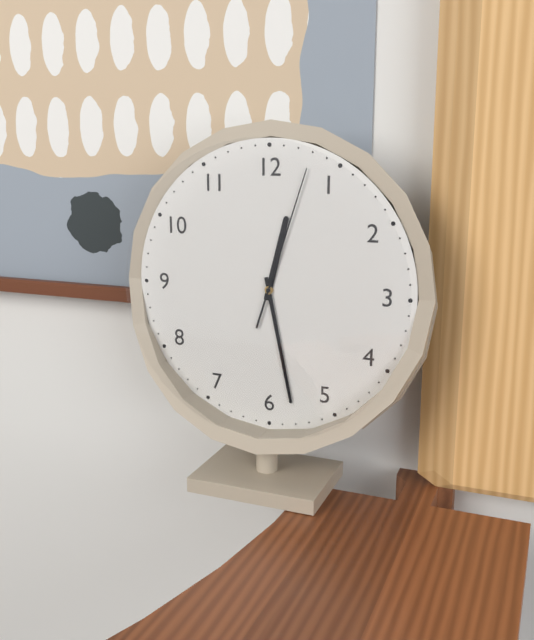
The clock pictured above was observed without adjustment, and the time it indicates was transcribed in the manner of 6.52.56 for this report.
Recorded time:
12.28.03
